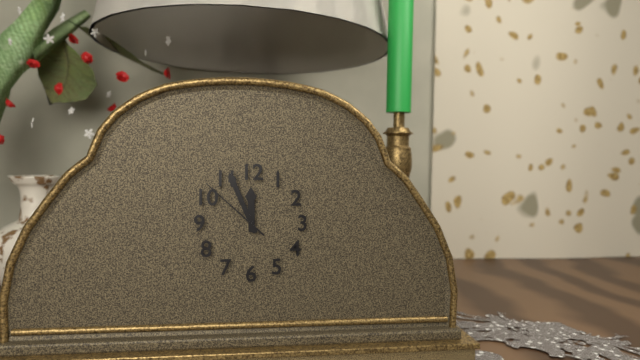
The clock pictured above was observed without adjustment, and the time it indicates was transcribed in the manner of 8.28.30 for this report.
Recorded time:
11.56.52
